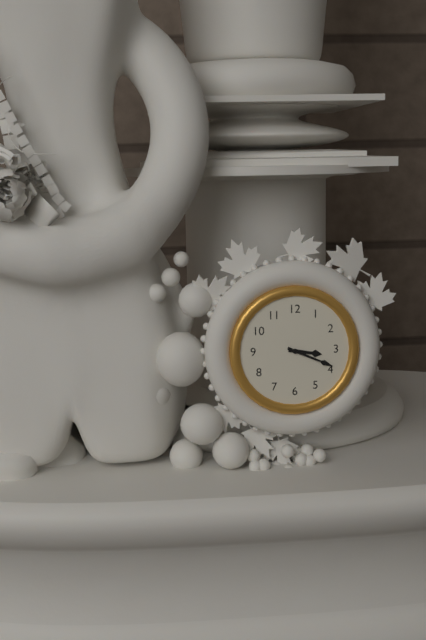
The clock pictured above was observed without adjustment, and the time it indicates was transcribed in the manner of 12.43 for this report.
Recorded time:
3.19
